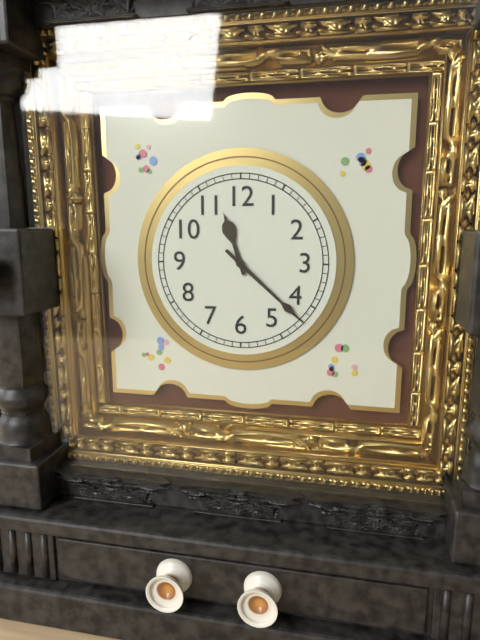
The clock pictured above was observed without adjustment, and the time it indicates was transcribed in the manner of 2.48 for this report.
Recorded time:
11.22
